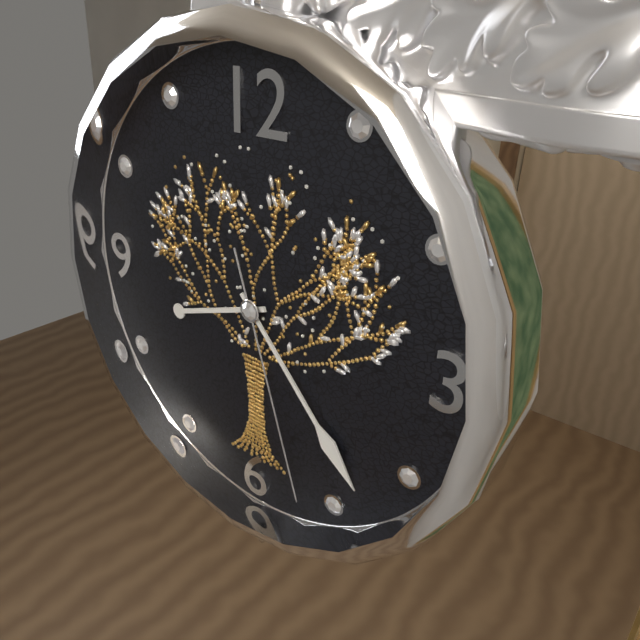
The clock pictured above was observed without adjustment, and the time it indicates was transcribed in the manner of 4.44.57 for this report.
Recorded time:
8.23.27
